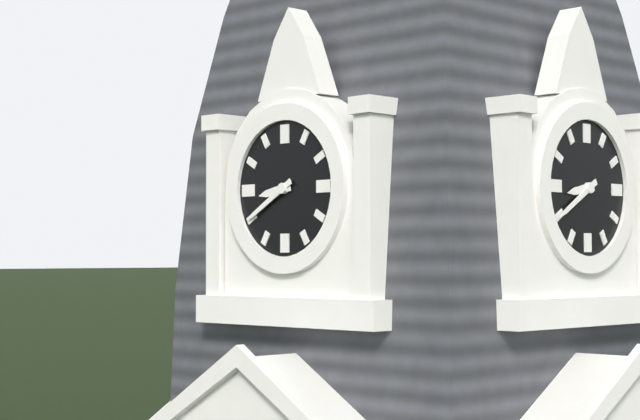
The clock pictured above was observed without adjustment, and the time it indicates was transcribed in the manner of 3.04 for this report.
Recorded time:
8.40
